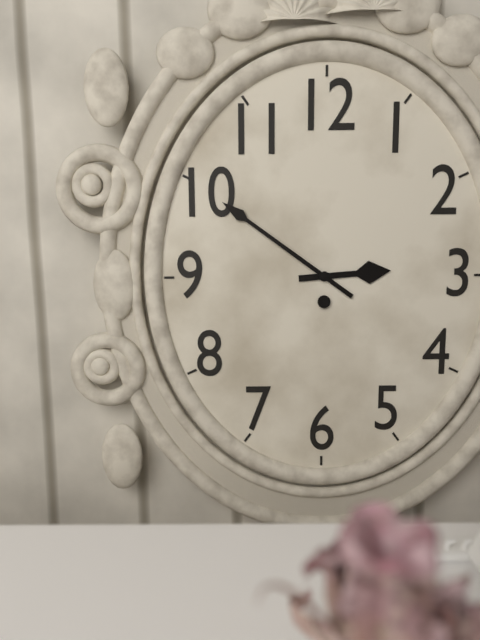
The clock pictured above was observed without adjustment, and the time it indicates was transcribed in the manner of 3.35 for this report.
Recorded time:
2.51
